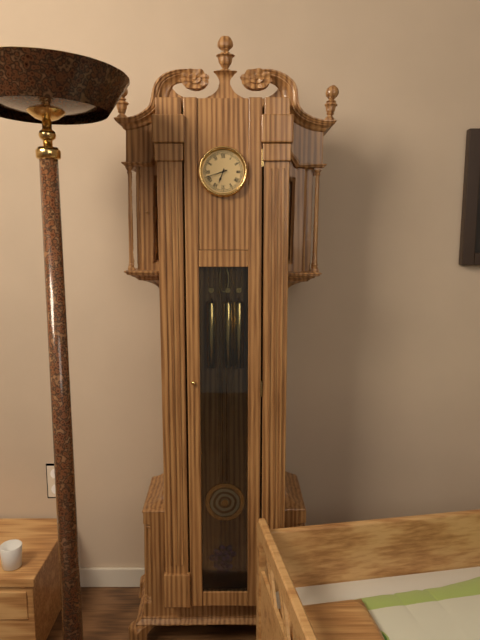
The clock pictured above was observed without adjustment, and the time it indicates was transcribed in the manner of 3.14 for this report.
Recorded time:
6.42
